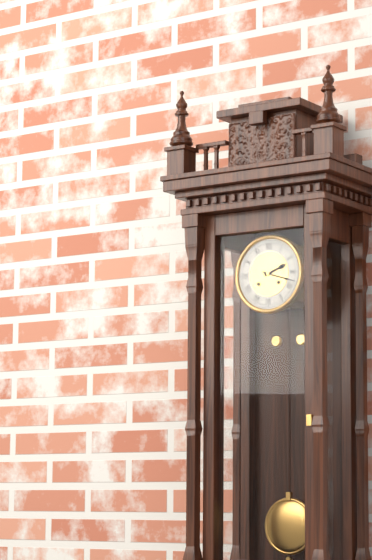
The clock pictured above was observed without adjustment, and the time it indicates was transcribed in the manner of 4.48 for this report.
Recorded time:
2.18
